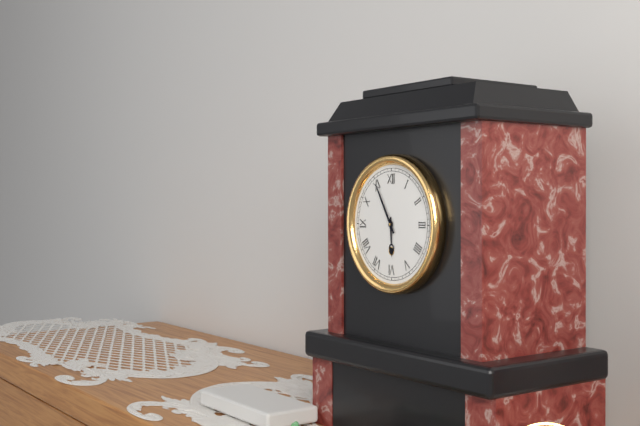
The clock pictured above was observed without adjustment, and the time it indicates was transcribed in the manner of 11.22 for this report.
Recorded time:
5.55
